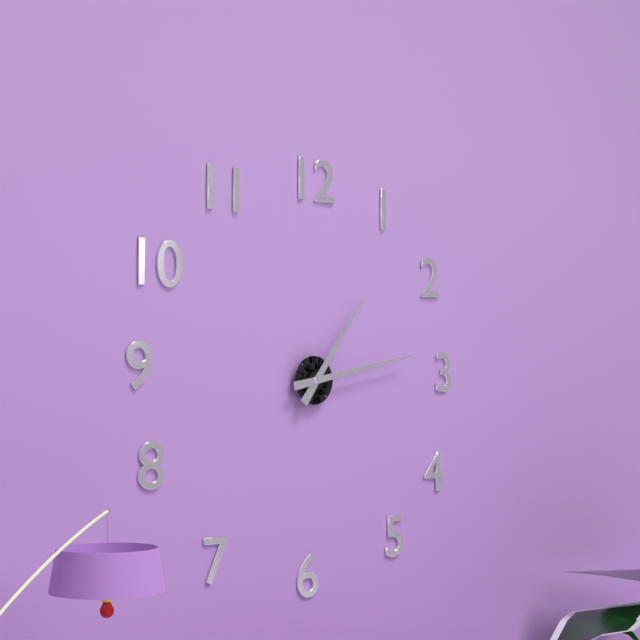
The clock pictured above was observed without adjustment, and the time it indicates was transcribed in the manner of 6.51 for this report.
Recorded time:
1.13
